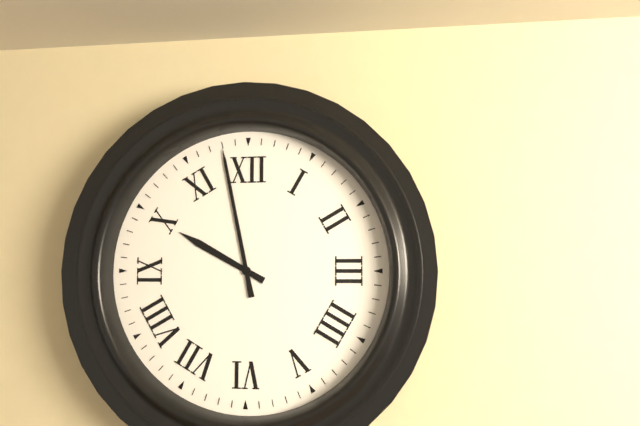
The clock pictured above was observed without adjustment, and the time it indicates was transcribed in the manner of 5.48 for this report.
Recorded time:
9.58
